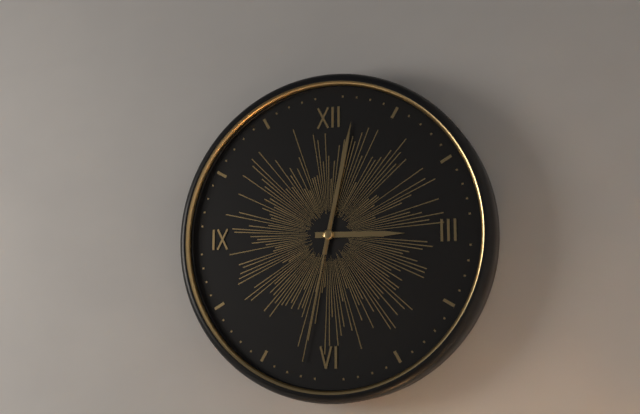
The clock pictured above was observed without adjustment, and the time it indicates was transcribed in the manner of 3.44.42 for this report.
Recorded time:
3.02.32
